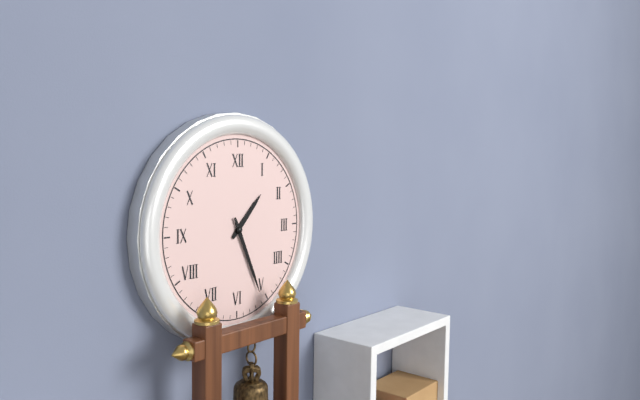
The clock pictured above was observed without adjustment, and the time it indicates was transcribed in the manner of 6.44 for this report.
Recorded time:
1.26
